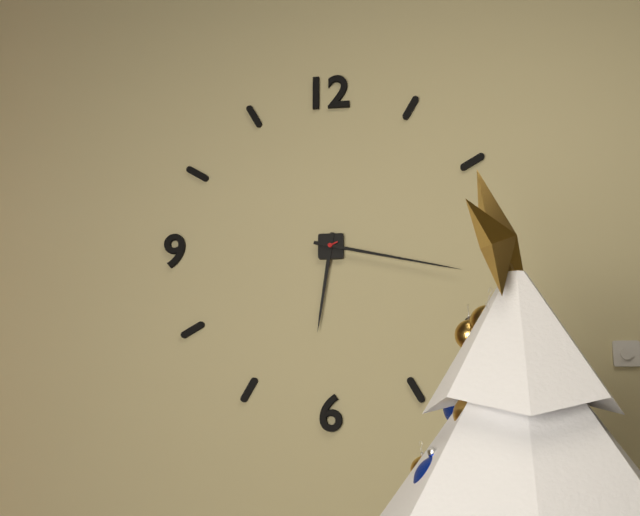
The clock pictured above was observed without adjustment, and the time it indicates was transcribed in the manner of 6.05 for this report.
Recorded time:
6.17
